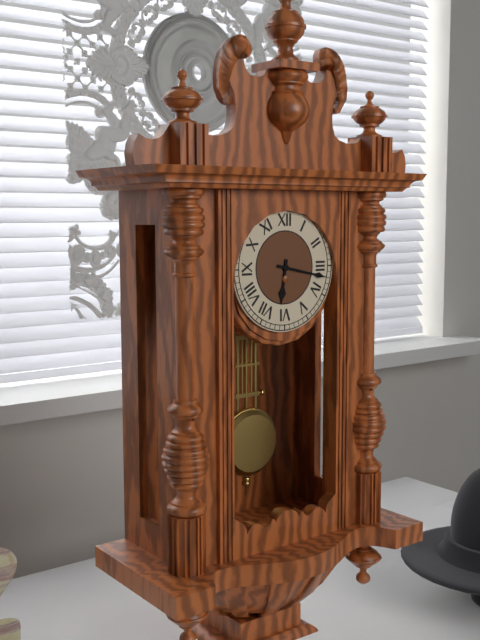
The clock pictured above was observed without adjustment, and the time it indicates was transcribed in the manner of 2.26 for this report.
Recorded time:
6.17
